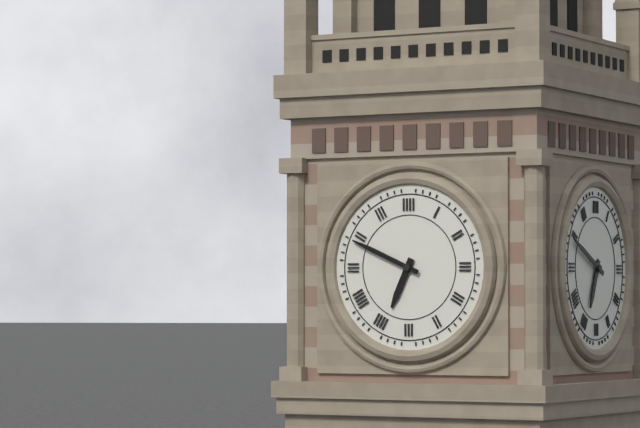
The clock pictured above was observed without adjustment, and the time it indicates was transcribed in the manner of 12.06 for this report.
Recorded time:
6.49
